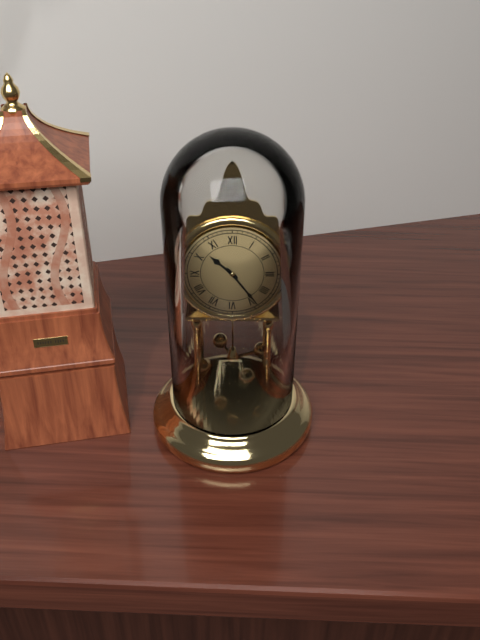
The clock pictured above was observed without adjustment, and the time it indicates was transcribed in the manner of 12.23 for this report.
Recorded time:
10.24
